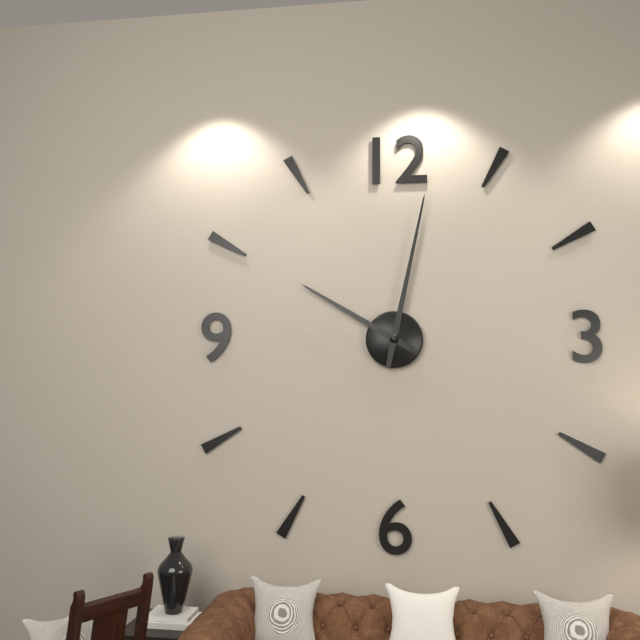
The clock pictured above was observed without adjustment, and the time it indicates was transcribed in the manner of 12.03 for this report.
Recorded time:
10.02
